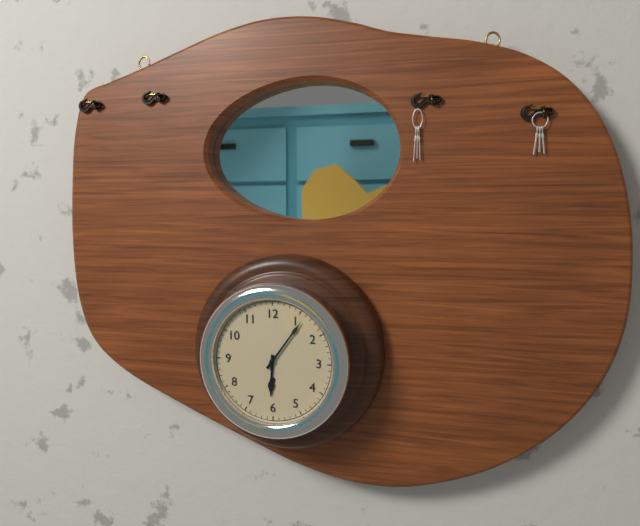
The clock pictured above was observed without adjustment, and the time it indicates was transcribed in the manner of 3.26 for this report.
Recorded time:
6.06
